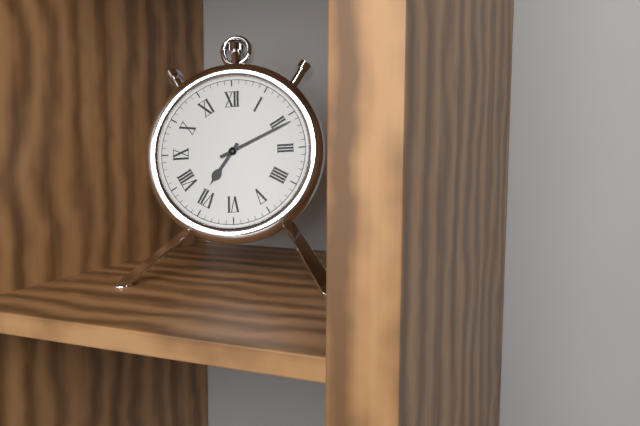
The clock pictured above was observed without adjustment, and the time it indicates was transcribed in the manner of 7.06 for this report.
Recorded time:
7.11
